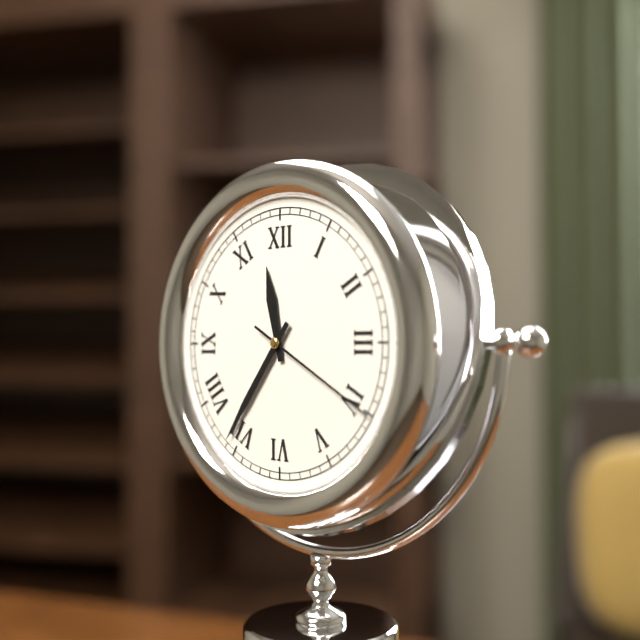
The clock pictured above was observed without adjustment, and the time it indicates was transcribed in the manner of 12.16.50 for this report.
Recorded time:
11.36.20
